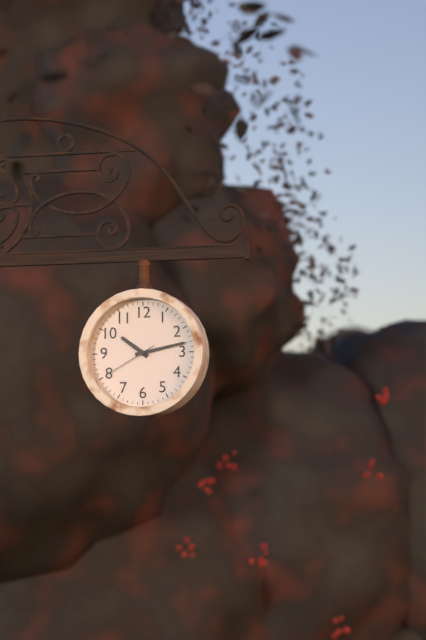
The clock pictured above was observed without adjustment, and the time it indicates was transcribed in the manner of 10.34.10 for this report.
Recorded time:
10.13.40
